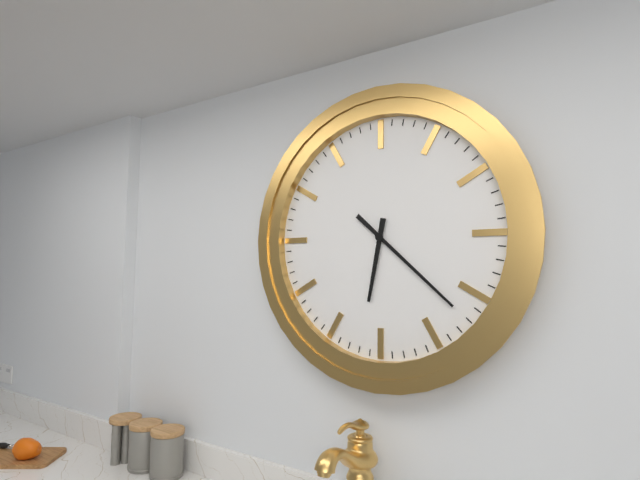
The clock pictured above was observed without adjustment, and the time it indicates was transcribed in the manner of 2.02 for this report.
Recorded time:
6.22
